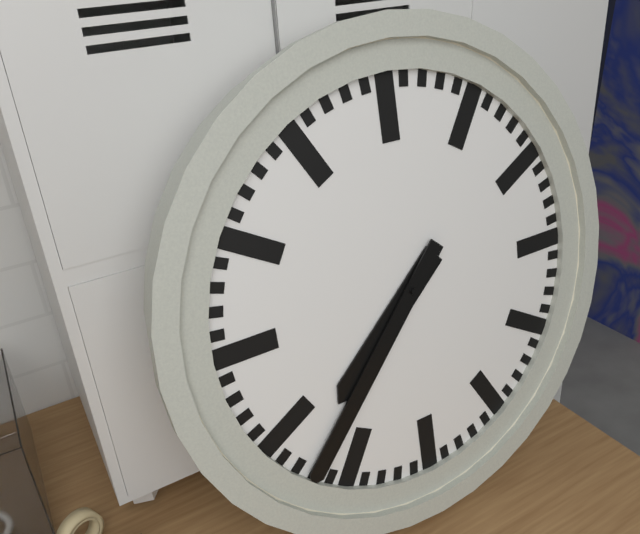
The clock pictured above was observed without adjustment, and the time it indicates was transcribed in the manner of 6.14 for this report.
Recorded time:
7.37
